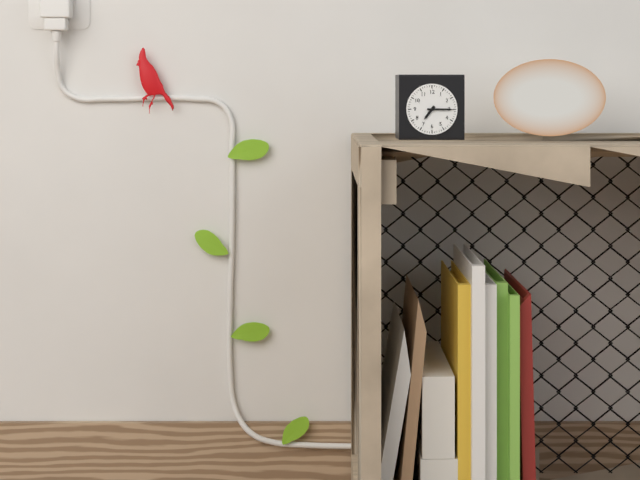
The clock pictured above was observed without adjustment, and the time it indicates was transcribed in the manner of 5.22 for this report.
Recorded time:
7.15
